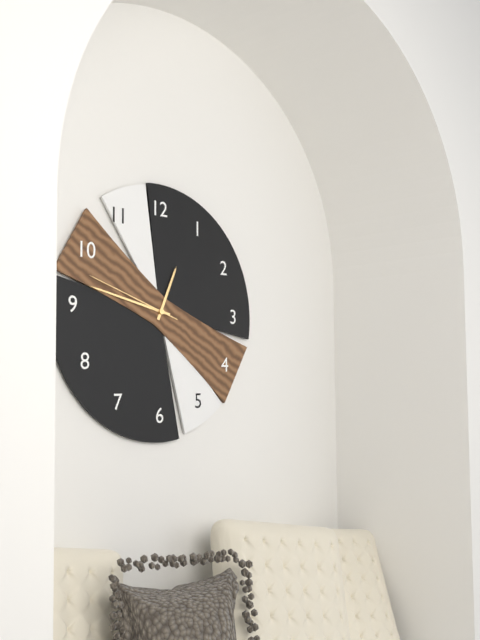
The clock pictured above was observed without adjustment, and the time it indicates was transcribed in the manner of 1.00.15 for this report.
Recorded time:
12.47.48
